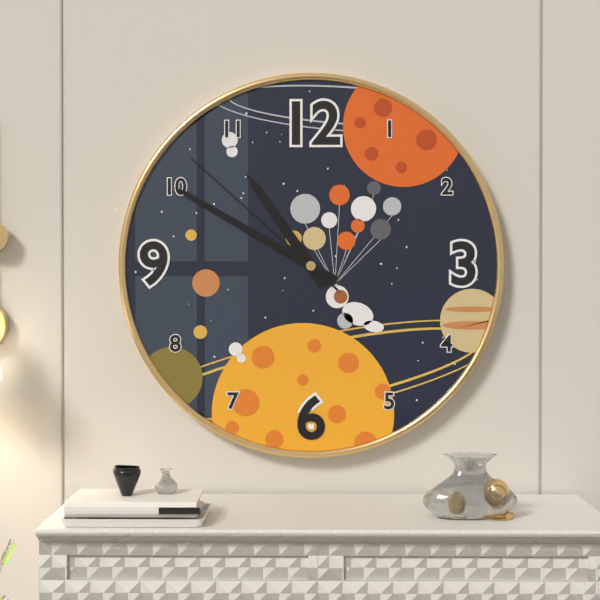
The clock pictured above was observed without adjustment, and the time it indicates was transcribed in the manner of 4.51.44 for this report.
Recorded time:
10.50.52
